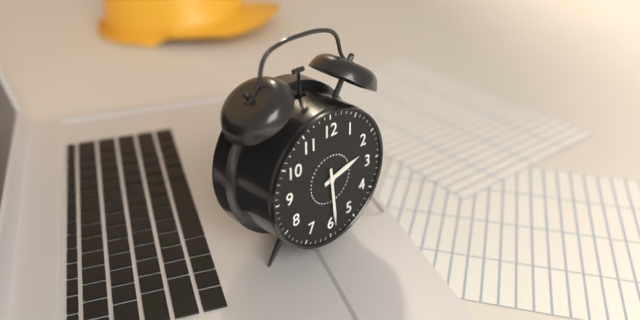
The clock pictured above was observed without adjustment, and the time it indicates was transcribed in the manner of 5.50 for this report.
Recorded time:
2.29
